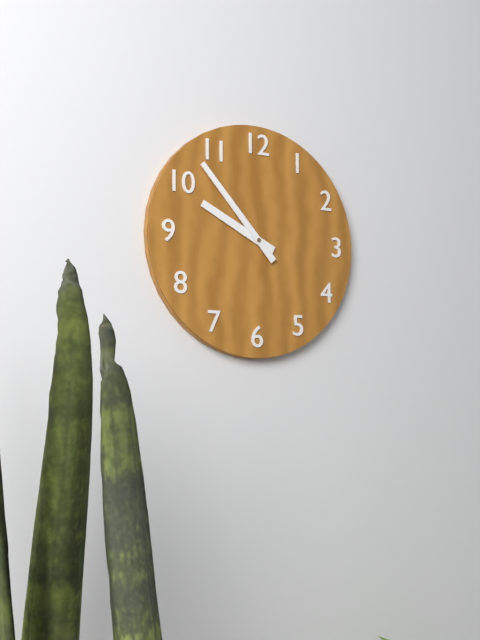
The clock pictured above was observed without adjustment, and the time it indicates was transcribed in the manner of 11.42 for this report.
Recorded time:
9.53
